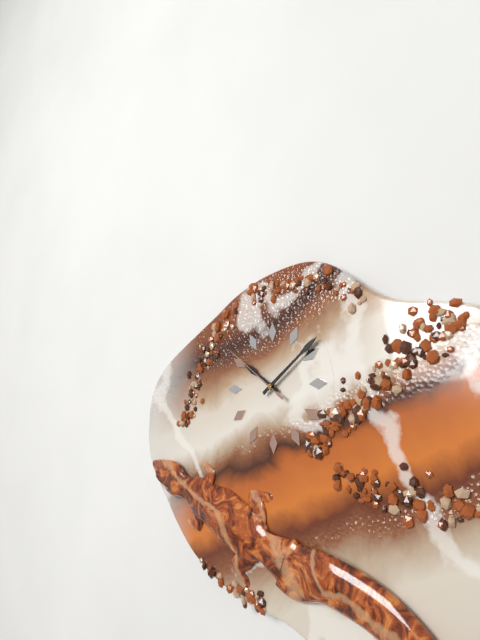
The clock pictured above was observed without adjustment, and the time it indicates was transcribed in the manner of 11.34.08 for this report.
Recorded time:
10.09.51
